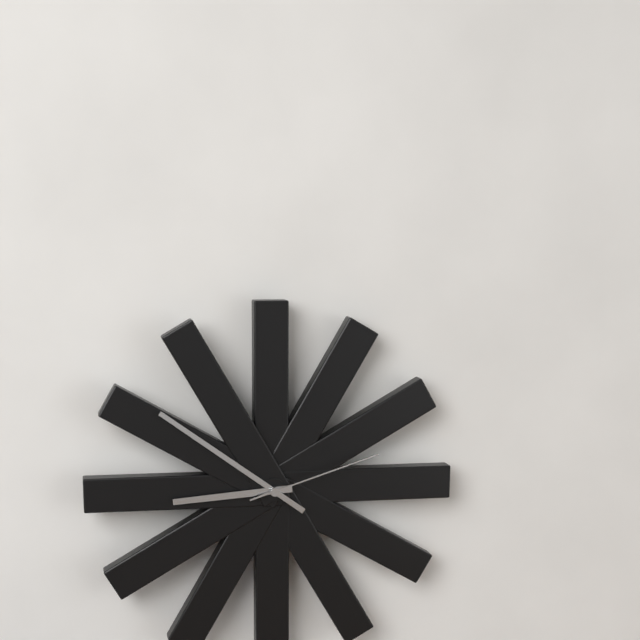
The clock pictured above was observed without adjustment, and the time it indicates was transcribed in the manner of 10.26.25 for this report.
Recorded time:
8.51.12
